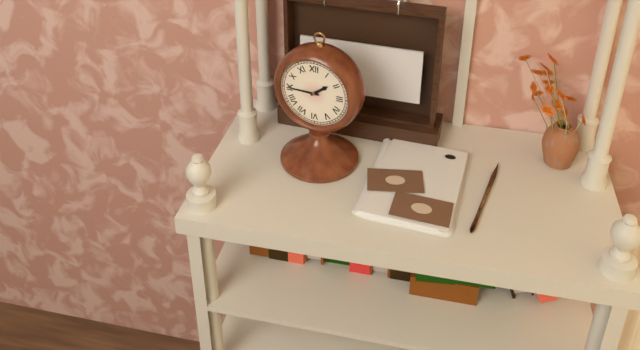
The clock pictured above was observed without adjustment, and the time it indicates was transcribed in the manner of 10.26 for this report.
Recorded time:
1.45
